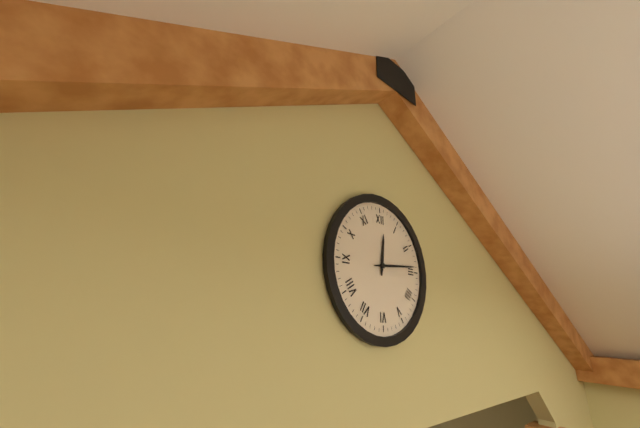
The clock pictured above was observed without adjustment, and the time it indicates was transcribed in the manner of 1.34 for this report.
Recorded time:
12.14
